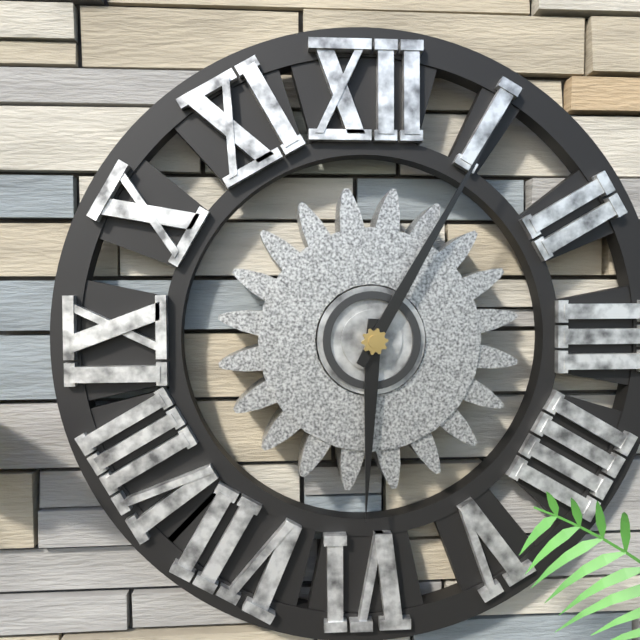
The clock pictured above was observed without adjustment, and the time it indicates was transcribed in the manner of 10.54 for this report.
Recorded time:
6.05
